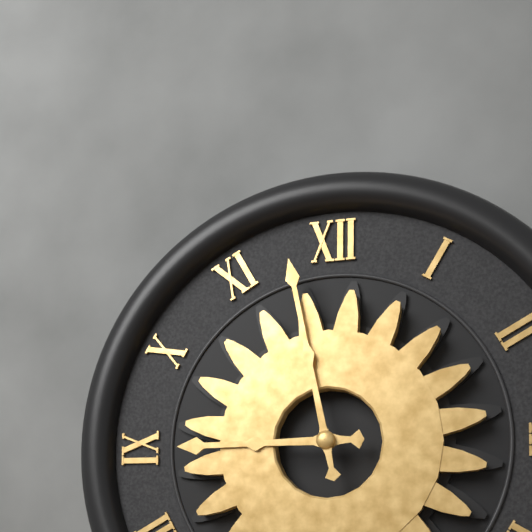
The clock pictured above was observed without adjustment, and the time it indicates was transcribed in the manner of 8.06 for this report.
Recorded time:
8.58
